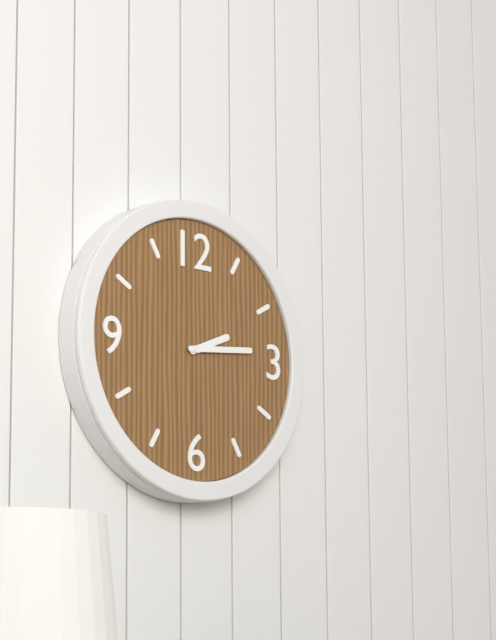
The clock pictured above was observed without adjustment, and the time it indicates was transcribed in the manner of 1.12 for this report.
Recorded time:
2.14
